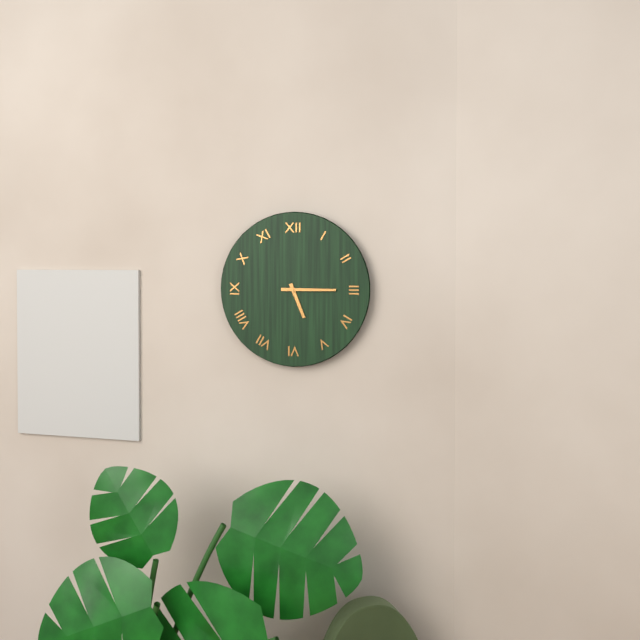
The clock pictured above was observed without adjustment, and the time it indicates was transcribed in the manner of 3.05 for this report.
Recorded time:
5.15
